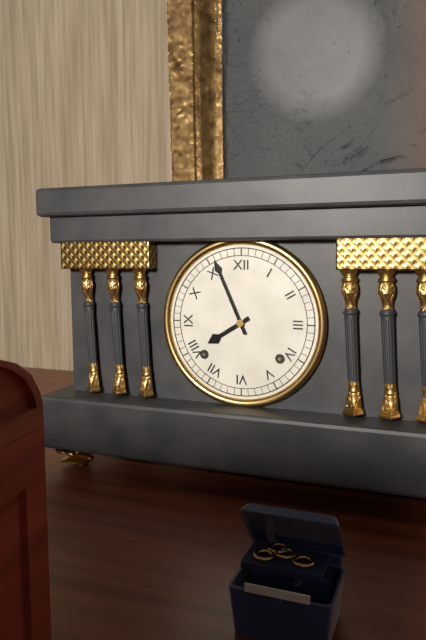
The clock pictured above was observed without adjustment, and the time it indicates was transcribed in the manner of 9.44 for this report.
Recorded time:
7.56
